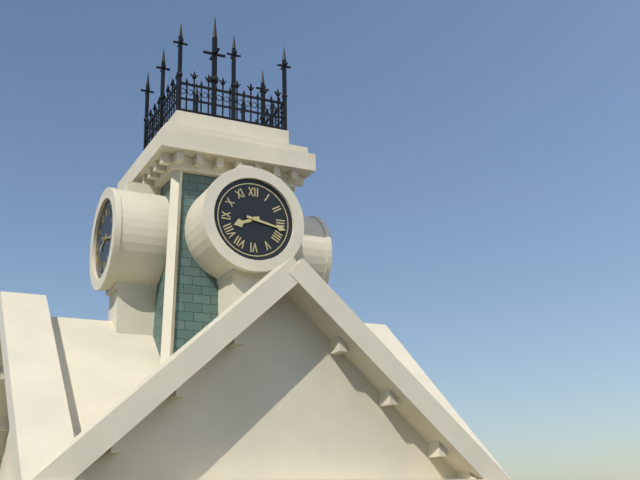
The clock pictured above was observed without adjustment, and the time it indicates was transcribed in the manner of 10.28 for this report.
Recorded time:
8.17
